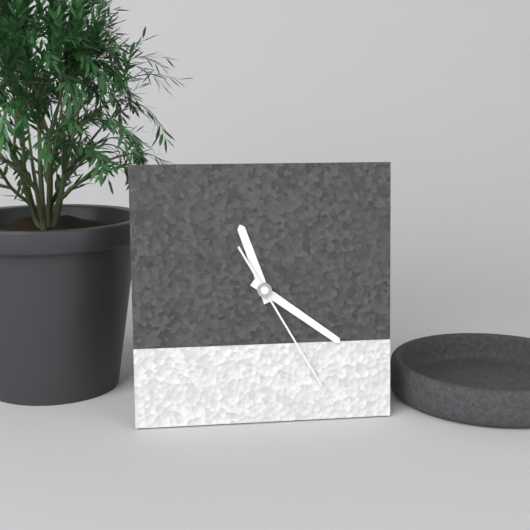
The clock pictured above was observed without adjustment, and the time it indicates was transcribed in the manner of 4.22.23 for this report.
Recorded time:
11.21.25
